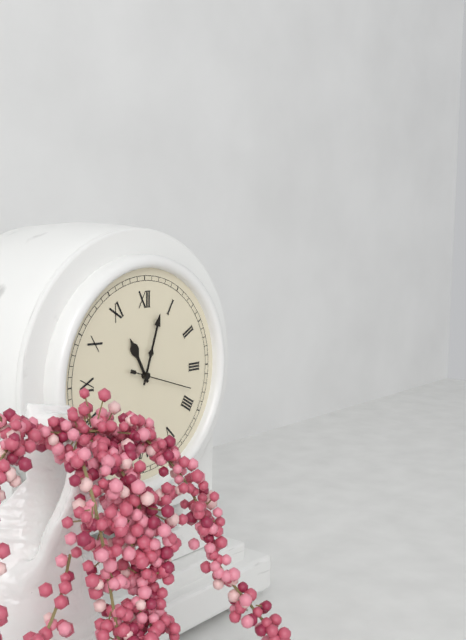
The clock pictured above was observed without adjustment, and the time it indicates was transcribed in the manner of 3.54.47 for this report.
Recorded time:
11.03.18
